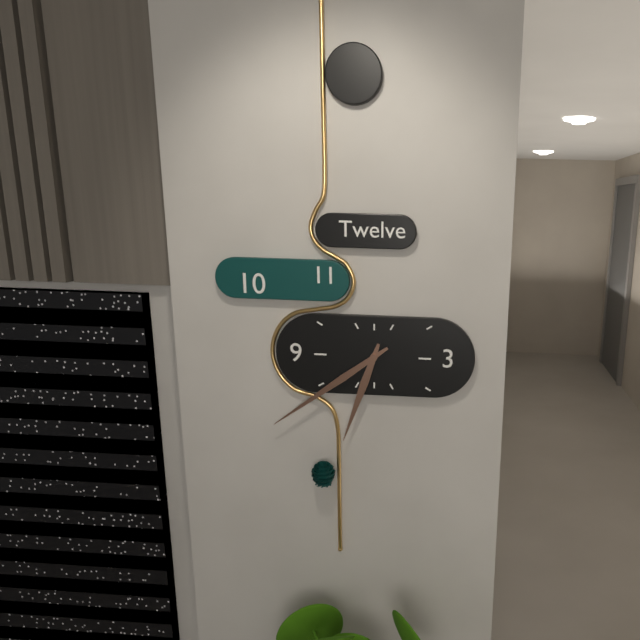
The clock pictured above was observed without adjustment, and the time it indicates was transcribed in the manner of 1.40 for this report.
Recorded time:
6.39
